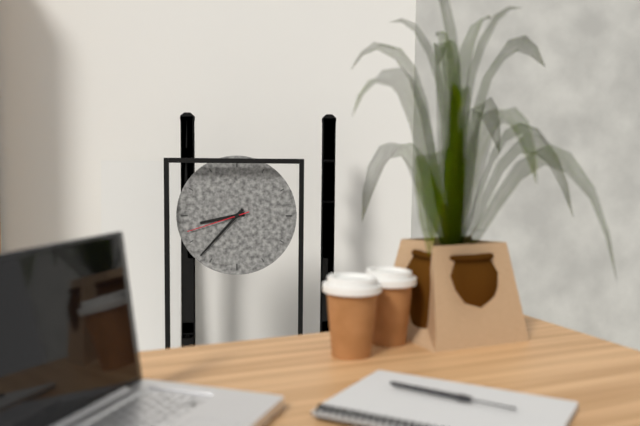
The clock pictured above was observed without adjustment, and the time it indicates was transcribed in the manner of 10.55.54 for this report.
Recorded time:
8.37.42
